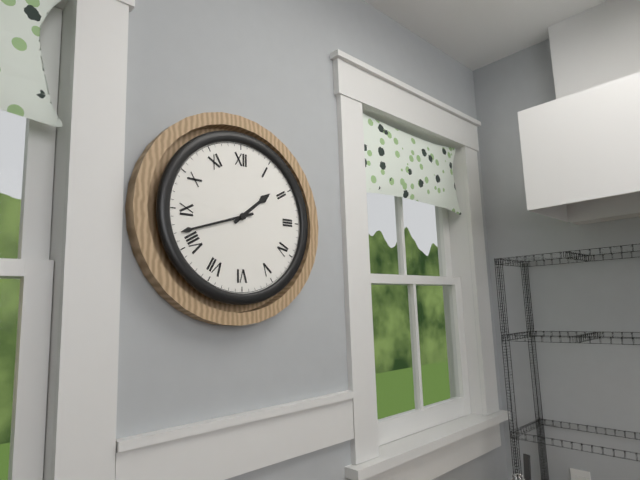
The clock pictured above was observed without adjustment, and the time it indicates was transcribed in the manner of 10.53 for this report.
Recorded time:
1.42
